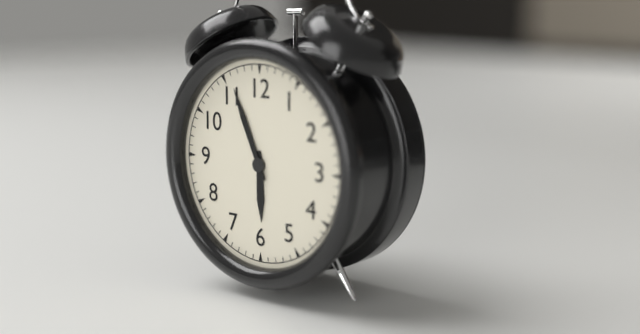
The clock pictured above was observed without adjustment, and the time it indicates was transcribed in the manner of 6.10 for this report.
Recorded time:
5.56
